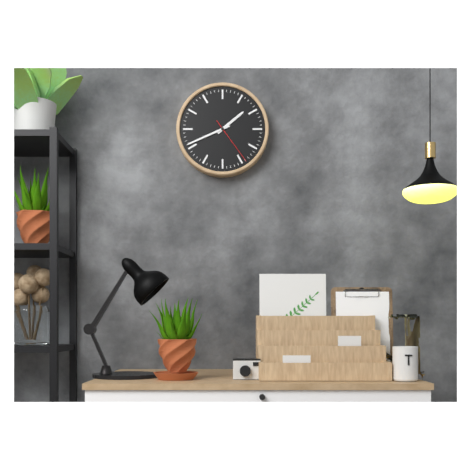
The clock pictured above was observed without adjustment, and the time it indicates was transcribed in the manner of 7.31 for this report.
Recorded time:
1.41
